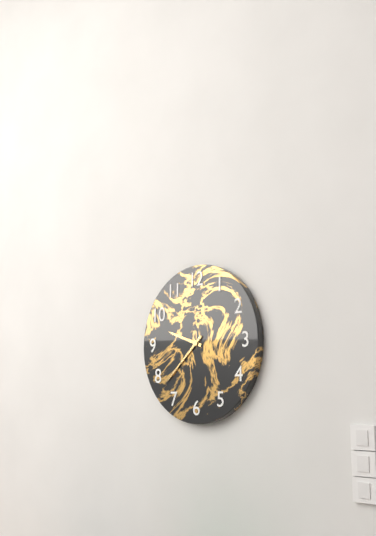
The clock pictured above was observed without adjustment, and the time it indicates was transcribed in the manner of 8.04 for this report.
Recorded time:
9.38
